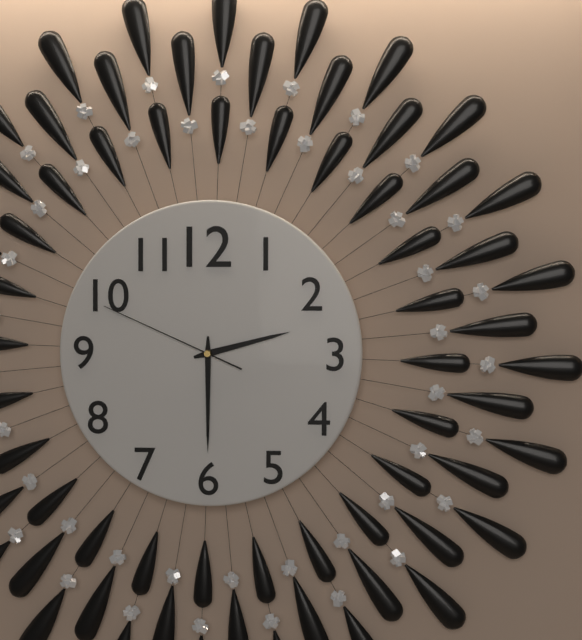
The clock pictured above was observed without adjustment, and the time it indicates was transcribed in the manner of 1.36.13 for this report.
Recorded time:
2.30.49
